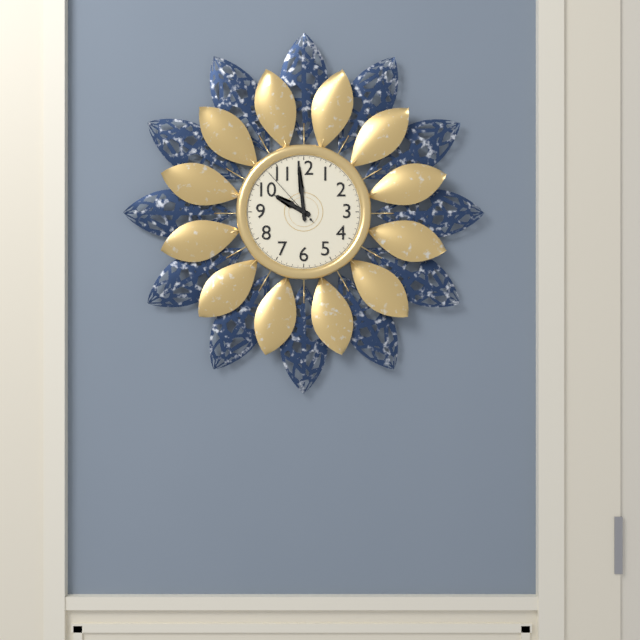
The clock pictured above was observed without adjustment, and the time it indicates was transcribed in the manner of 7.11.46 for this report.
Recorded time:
9.59.53
